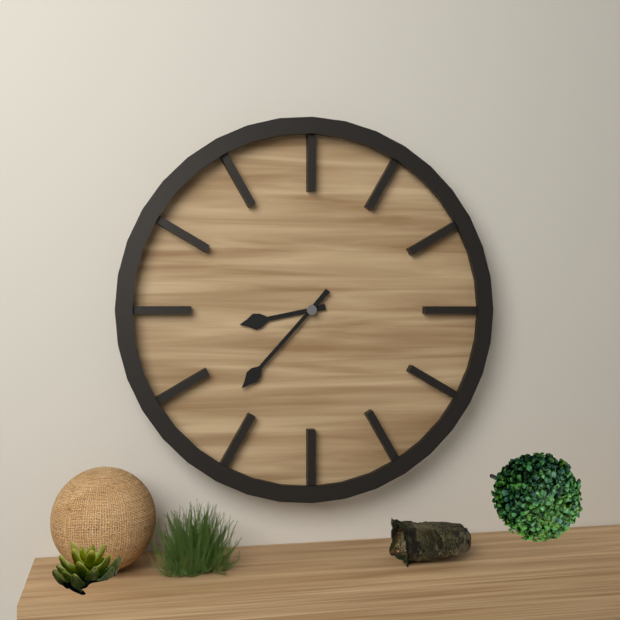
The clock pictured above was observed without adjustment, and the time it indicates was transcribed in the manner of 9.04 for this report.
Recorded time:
8.37
